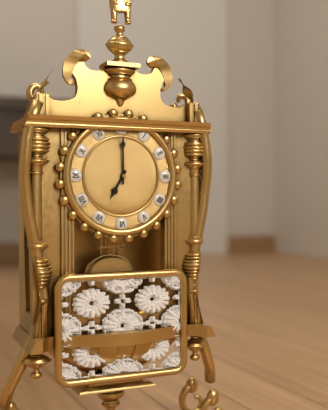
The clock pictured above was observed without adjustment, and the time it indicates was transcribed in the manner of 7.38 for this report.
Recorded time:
7.00
